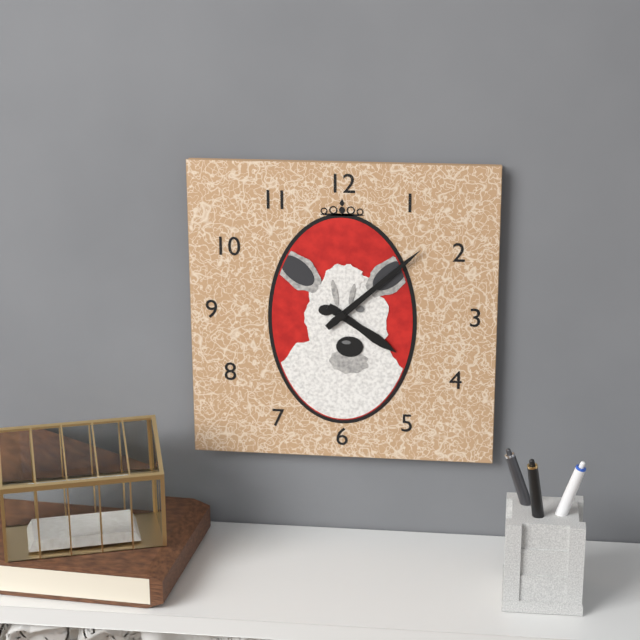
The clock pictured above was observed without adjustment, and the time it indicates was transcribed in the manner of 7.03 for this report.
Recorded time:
4.08
